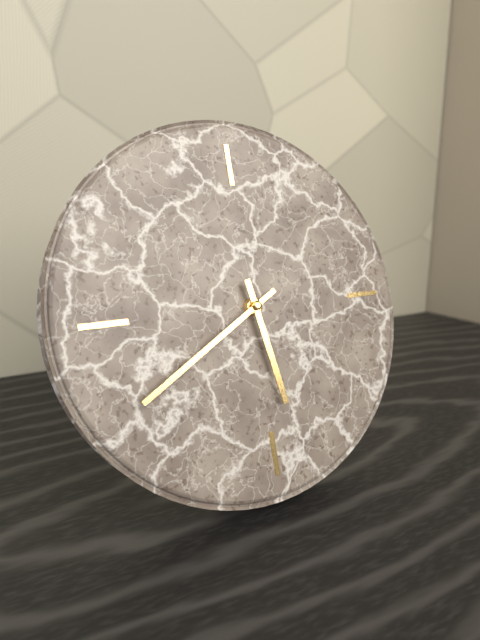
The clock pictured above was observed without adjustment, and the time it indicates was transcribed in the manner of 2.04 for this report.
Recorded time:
5.40
